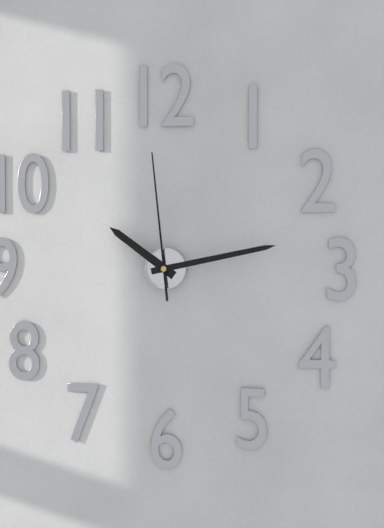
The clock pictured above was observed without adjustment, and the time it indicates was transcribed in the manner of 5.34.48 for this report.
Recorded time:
10.13.59
